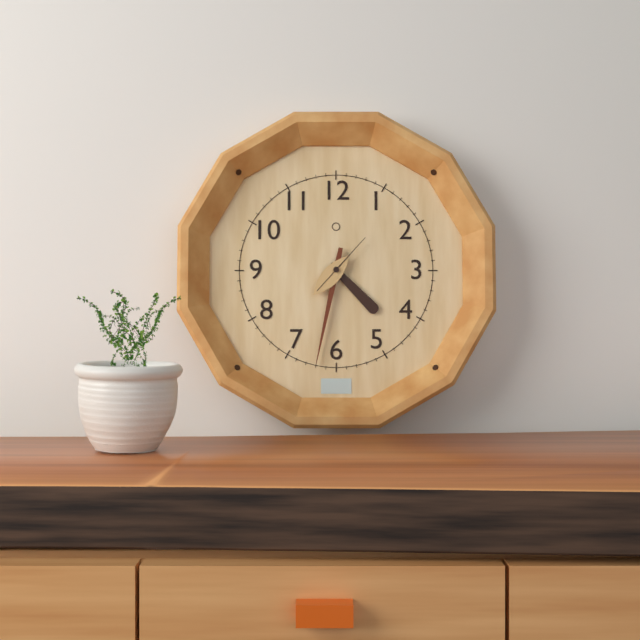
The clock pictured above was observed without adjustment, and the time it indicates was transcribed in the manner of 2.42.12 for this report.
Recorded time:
4.32.07
